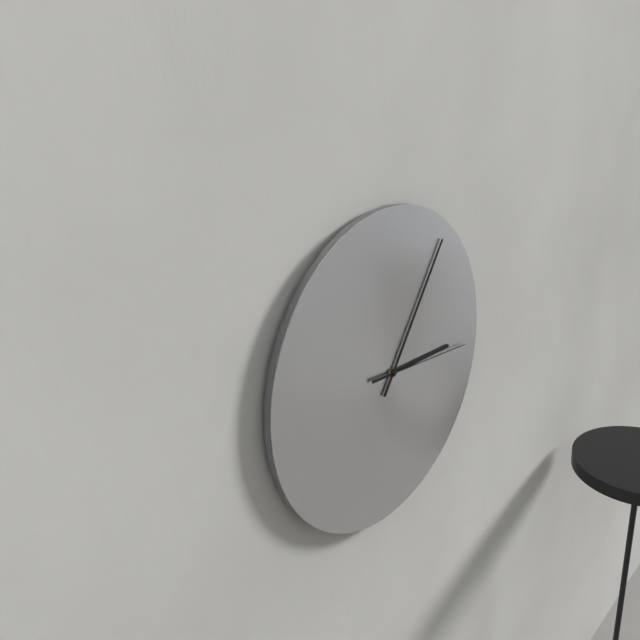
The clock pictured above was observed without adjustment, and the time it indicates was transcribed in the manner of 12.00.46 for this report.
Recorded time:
3.06.16
